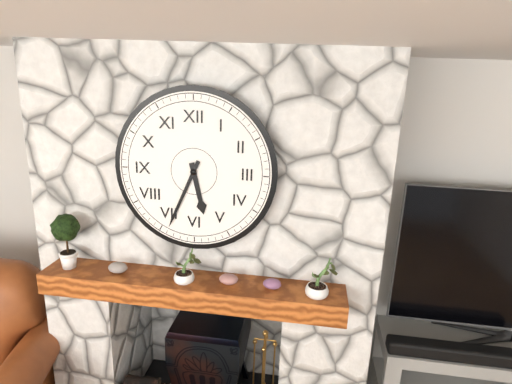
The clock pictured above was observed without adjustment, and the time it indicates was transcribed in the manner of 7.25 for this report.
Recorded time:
5.34
